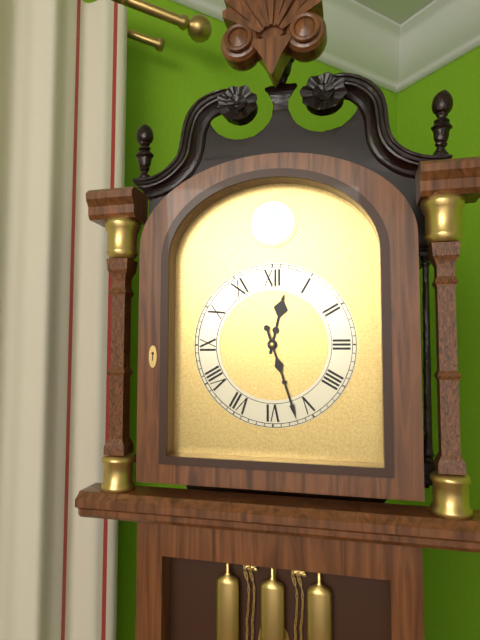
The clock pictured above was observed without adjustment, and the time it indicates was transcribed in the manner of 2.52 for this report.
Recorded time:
12.27
